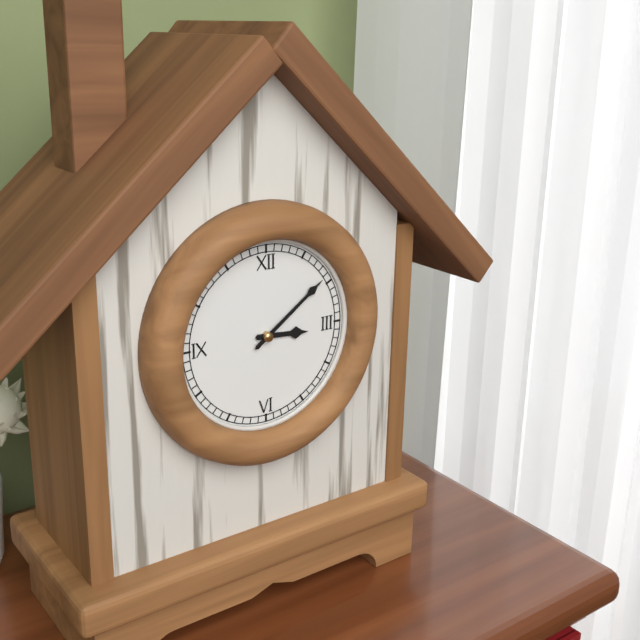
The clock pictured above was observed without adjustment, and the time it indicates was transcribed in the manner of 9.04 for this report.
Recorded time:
3.09
